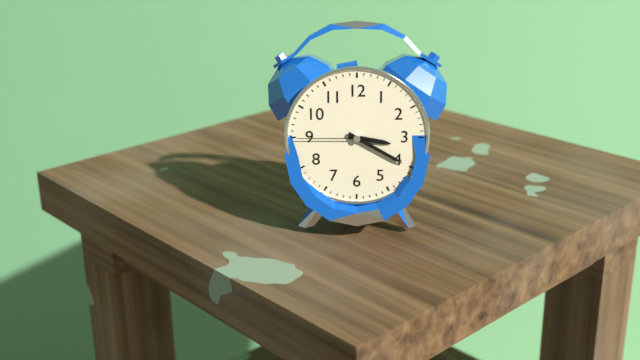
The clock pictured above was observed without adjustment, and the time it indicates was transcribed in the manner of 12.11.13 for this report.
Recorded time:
3.20.45
